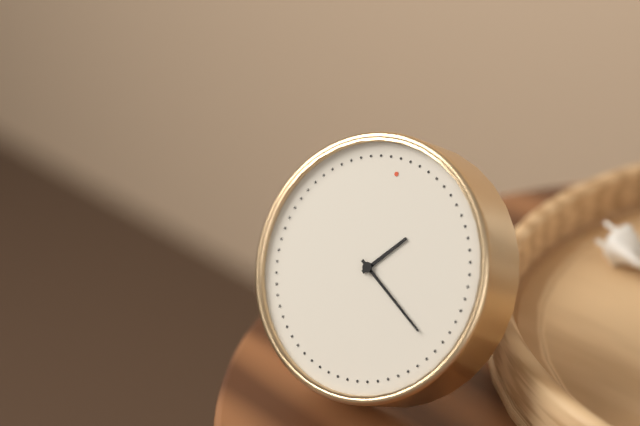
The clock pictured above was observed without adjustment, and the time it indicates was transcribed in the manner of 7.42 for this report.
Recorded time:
1.20
